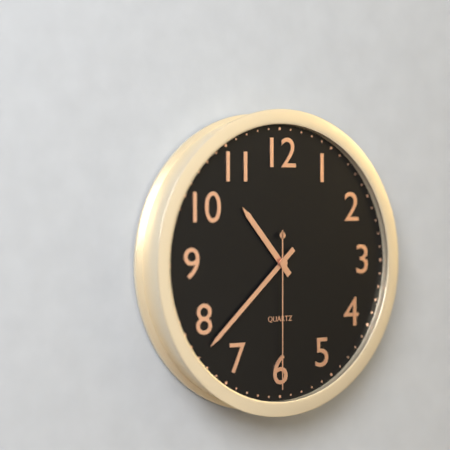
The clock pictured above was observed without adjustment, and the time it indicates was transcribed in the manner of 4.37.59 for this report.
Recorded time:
10.38.30
